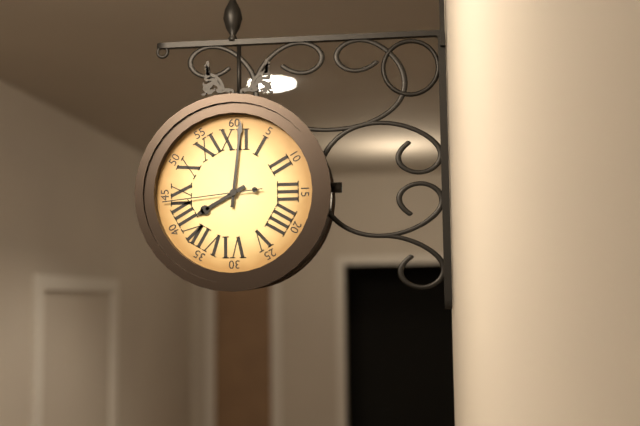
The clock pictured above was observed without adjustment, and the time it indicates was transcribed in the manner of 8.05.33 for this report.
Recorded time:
8.01.44
